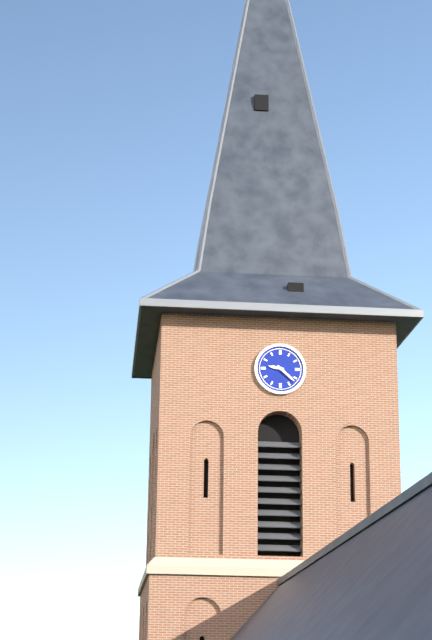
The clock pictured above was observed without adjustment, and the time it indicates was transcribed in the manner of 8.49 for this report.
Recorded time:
9.22
